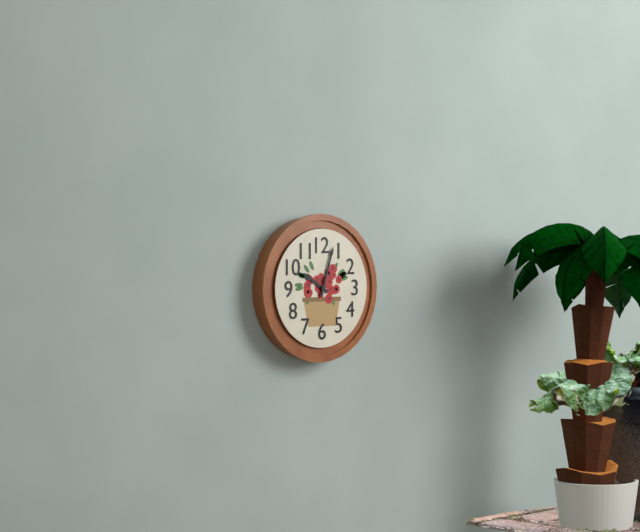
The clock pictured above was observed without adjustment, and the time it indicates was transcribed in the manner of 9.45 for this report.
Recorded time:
10.03
